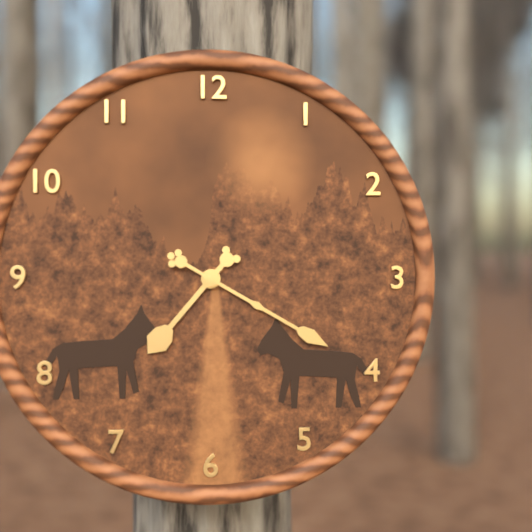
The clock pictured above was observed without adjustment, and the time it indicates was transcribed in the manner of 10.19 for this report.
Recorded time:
7.20
